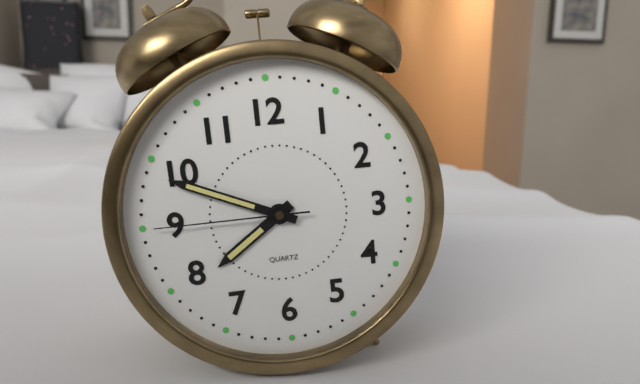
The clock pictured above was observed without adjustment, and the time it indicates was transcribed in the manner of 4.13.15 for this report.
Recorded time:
7.49.45
